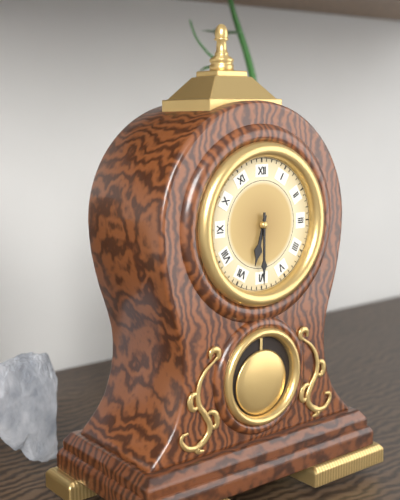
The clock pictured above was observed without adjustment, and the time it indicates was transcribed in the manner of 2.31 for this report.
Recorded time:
6.30
